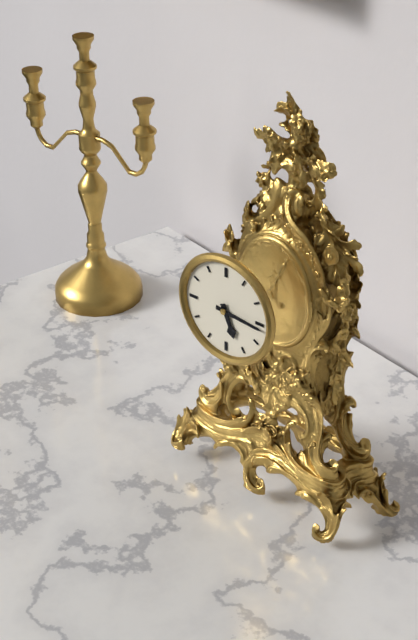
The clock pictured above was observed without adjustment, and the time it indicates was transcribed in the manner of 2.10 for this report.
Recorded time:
5.16
